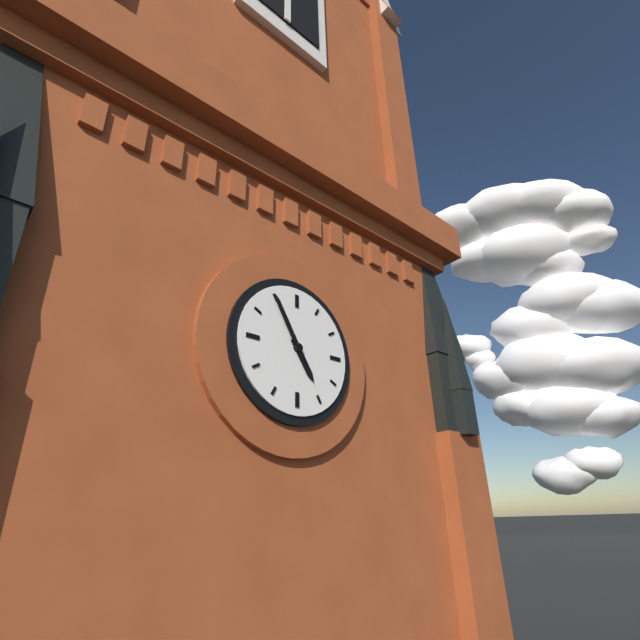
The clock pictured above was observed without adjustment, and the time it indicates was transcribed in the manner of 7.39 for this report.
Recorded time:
4.55
